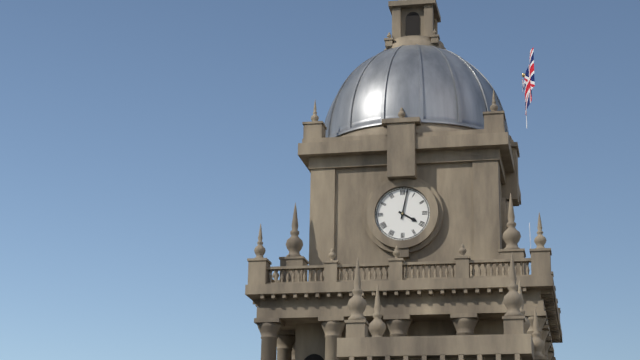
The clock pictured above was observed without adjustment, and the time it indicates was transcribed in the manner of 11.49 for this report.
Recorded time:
4.02
